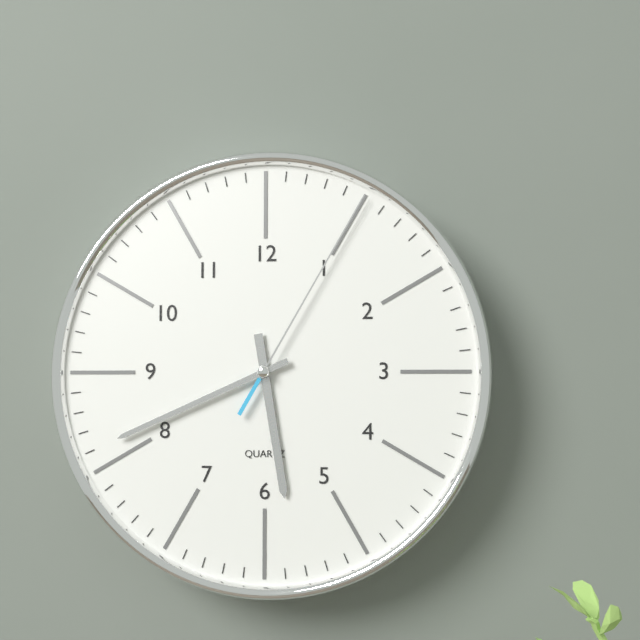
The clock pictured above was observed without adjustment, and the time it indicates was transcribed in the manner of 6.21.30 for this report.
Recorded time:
5.41.05
